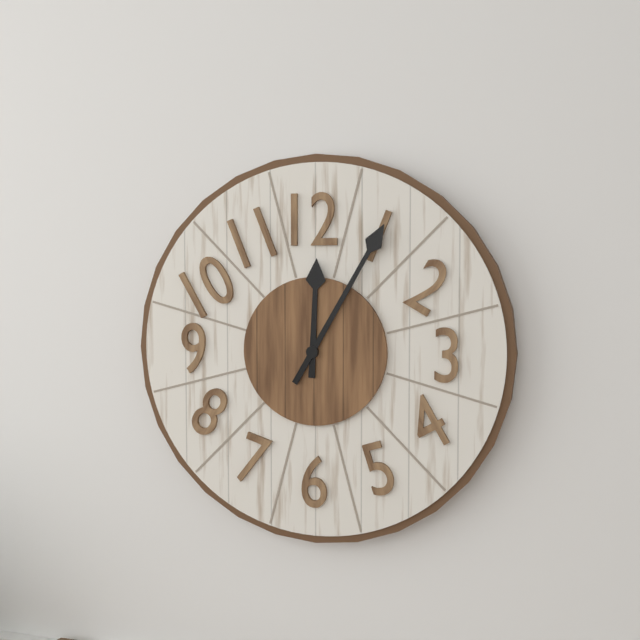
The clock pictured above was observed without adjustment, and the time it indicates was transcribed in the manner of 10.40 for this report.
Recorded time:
12.05
